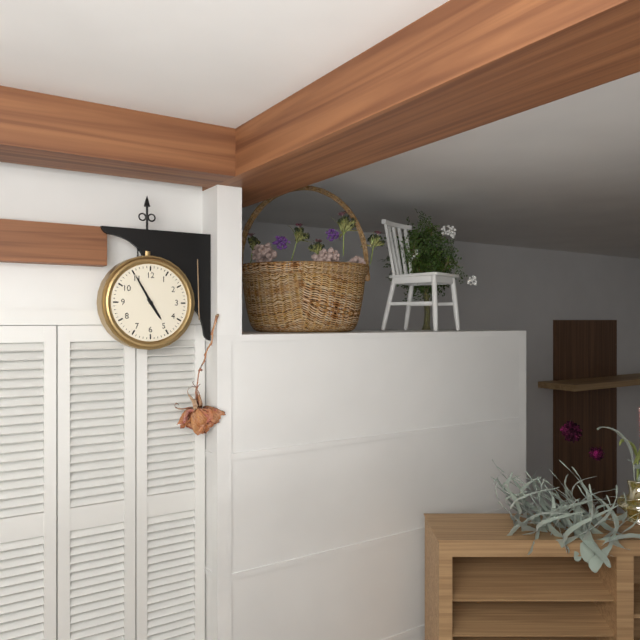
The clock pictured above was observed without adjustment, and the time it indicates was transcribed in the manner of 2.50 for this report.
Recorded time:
4.55
